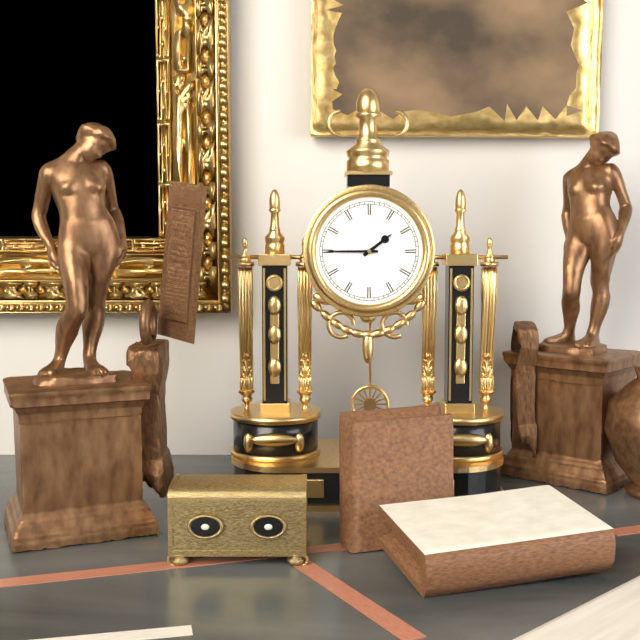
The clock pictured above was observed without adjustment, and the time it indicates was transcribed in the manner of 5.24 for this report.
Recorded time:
1.45
